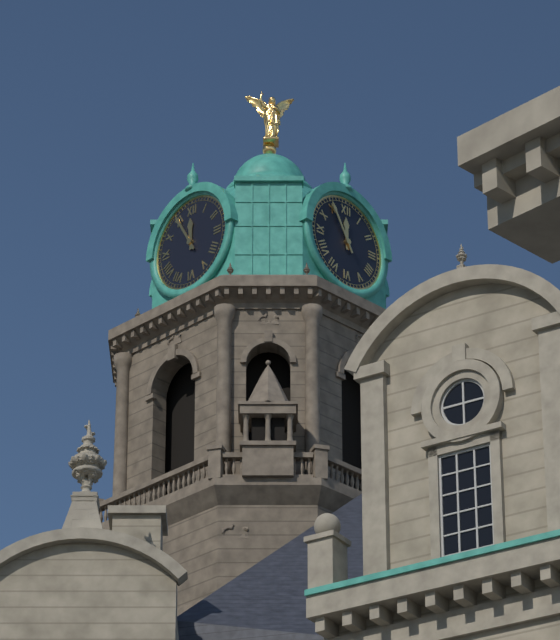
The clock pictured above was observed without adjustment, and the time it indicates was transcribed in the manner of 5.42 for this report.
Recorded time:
11.55
